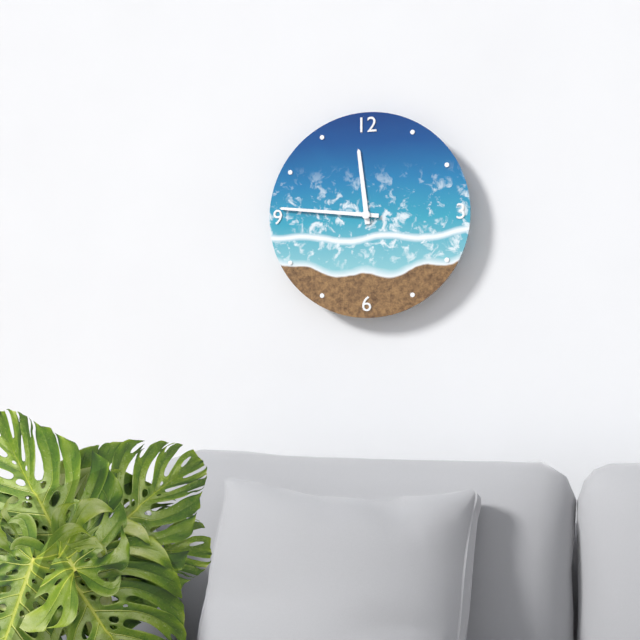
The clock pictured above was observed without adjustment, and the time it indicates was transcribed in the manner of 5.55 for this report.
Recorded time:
11.46
